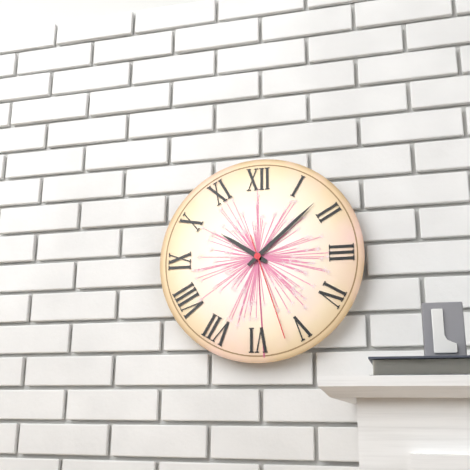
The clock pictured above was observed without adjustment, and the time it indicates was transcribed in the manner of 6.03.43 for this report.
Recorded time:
10.08.27
